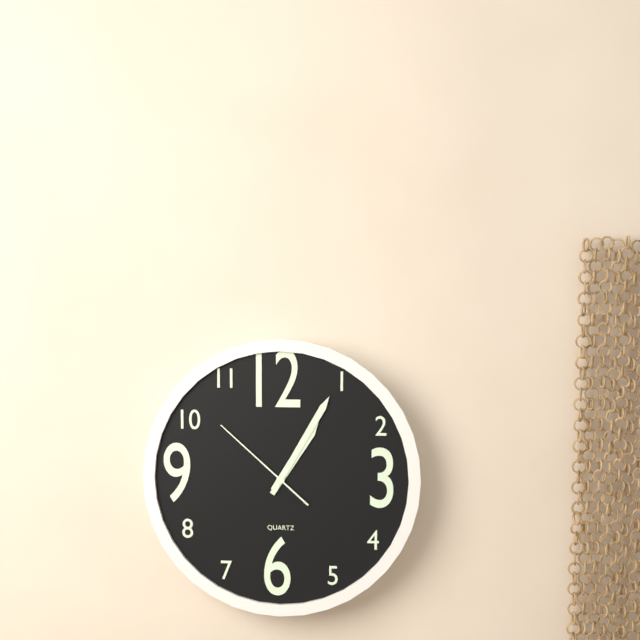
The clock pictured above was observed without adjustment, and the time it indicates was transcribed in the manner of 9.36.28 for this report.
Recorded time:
1.05.52
